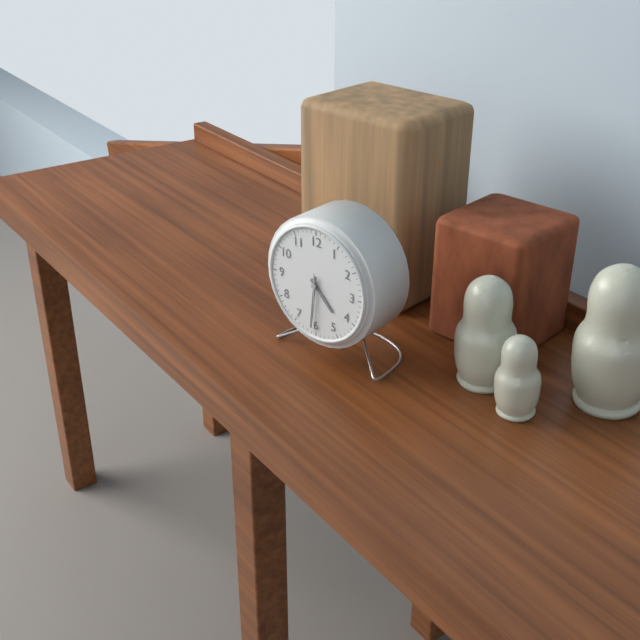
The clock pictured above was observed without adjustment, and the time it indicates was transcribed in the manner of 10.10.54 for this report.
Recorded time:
4.31.30
